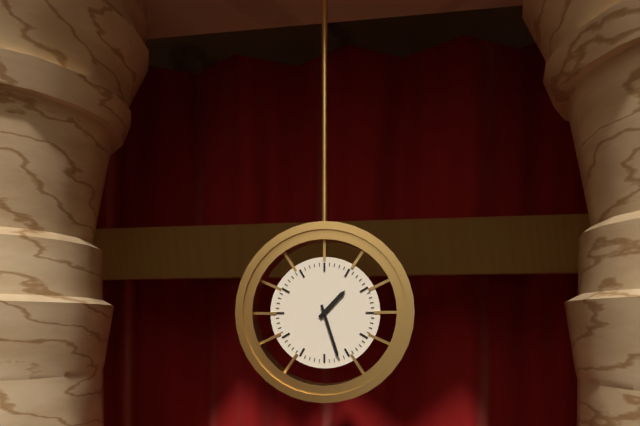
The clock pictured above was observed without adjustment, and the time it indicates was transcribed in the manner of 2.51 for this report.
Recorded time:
1.27
